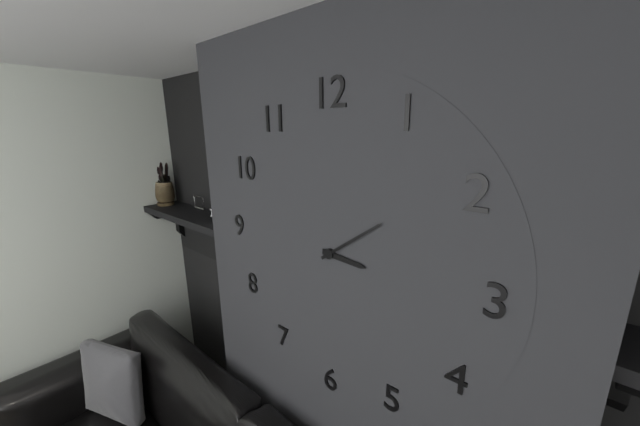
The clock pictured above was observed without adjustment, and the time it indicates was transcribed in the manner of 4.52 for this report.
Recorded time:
3.09
